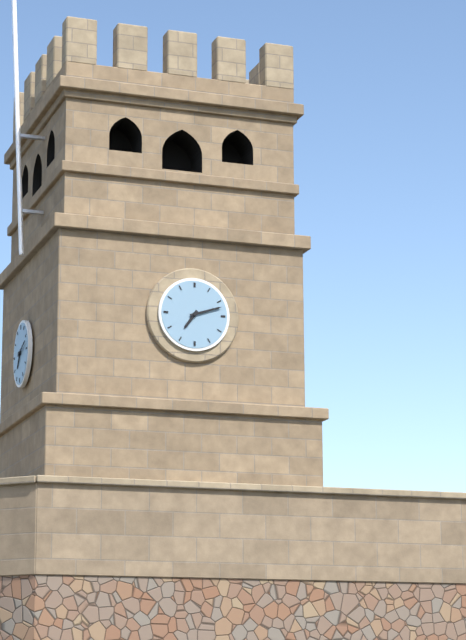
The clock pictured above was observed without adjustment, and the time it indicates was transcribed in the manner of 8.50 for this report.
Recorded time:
7.12
